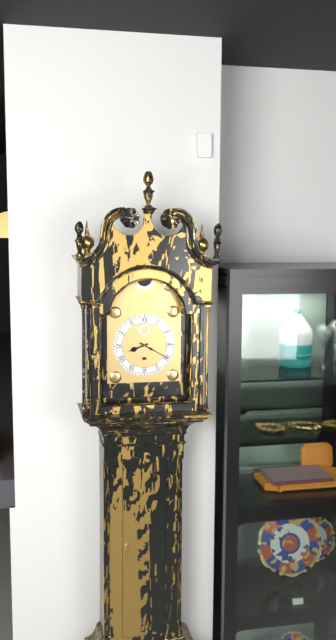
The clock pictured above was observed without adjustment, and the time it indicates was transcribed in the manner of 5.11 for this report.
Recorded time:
8.20
